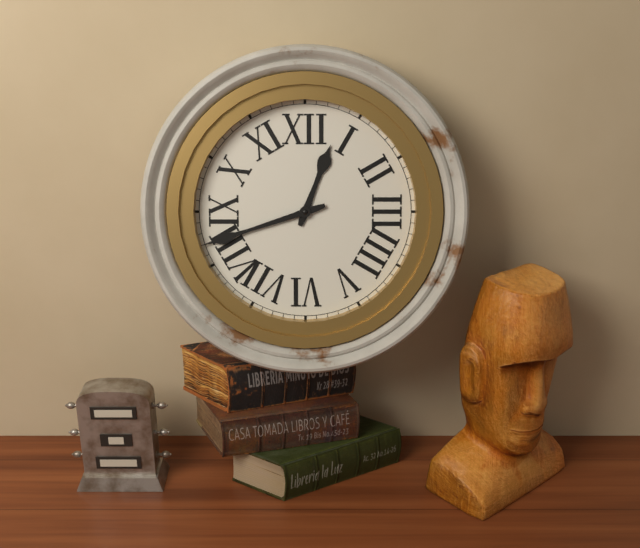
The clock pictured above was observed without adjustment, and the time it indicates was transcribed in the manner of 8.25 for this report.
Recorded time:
12.42
